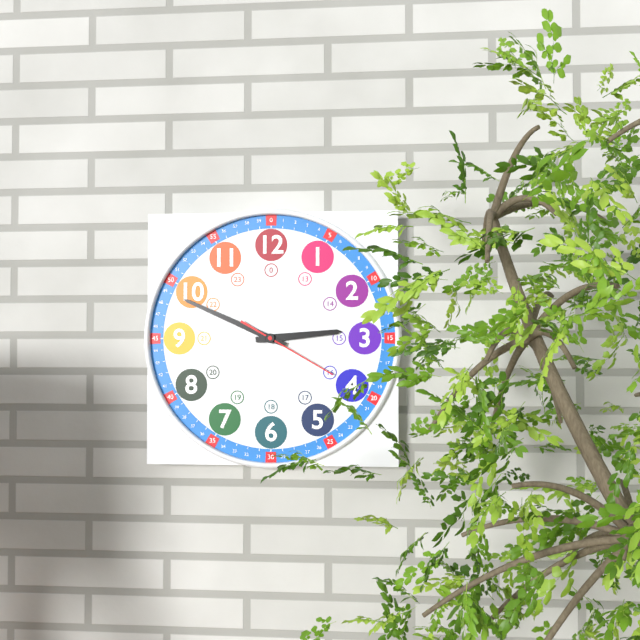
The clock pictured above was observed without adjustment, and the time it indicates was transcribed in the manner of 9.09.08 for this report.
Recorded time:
2.49.20
